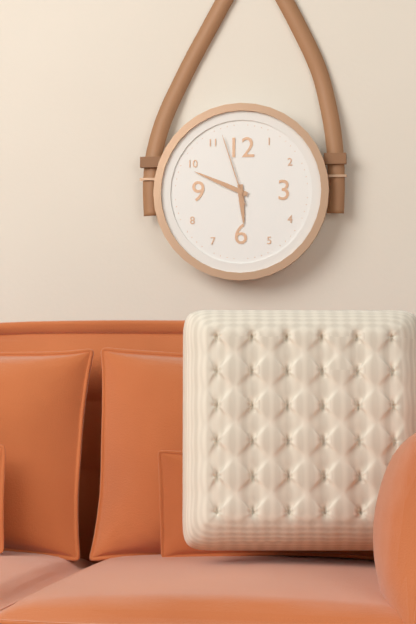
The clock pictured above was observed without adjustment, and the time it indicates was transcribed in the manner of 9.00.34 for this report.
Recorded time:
5.49.57
